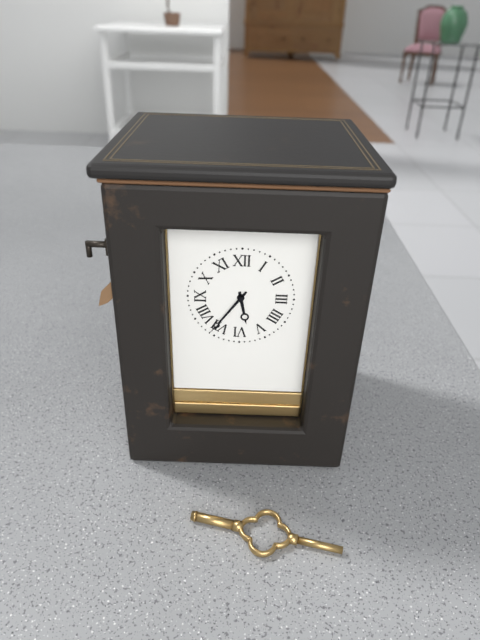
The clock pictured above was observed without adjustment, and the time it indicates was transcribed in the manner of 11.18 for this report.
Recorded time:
5.36
